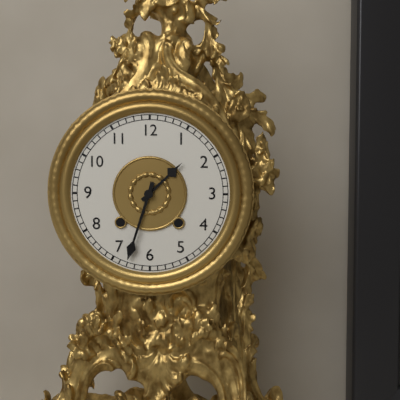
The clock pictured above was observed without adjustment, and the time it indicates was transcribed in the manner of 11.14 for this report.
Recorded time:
1.33
